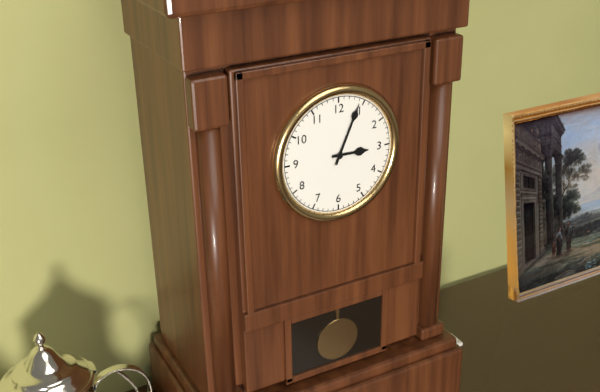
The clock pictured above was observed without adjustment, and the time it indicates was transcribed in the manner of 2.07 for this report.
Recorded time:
3.04
